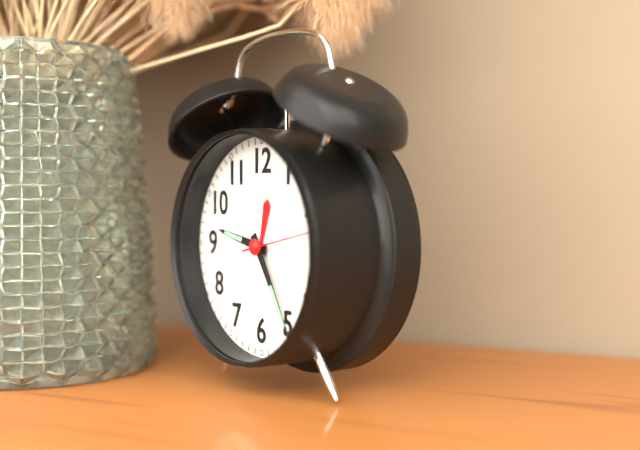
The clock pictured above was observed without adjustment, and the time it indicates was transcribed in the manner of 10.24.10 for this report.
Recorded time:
9.25.13
